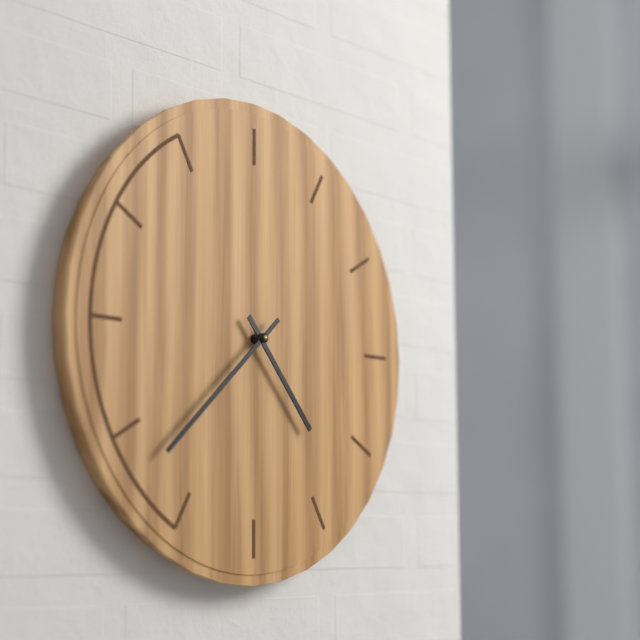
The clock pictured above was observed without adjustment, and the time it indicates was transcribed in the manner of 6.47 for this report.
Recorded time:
4.38
